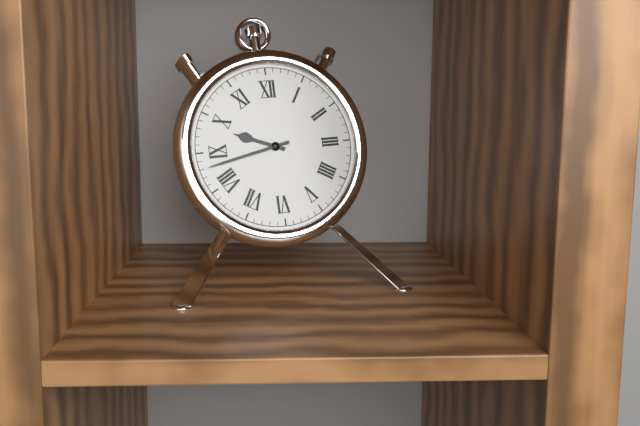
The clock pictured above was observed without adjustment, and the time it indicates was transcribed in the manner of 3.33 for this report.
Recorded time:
9.43
